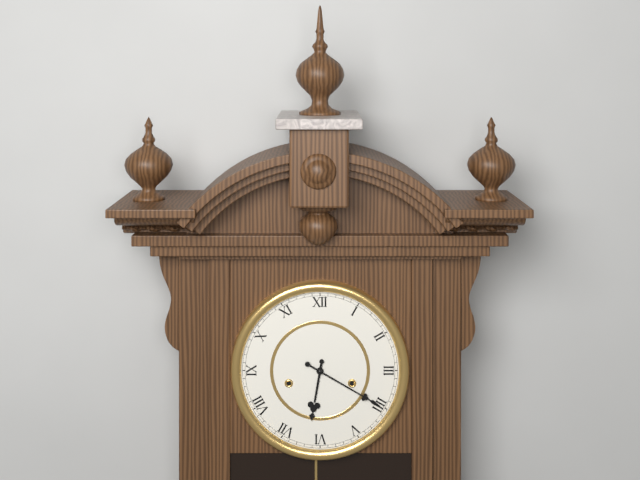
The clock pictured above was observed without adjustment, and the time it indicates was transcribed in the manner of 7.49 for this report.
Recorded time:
6.20
